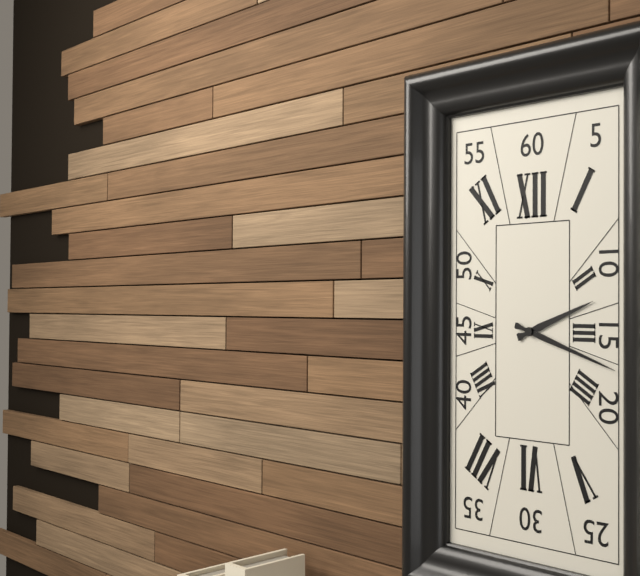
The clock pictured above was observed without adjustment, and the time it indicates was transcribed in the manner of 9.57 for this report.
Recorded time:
2.18
